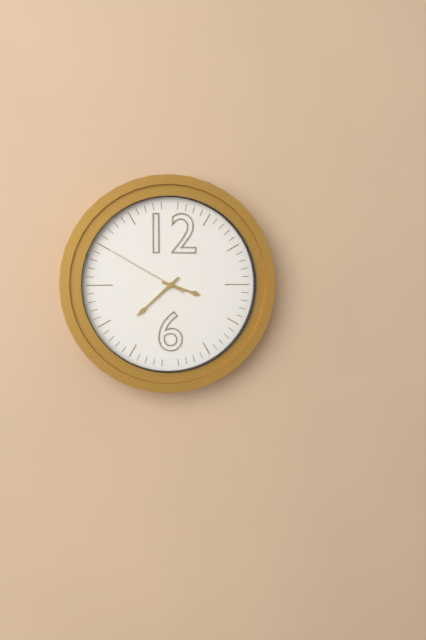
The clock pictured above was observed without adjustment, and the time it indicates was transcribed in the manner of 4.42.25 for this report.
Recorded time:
3.38.50
